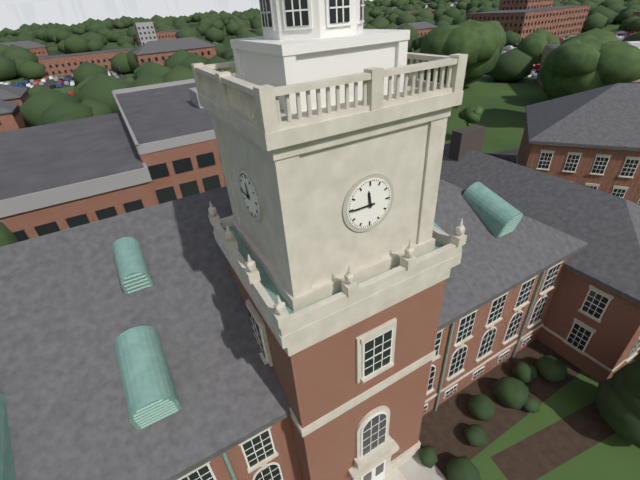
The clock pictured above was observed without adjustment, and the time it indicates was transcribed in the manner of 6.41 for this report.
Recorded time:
11.45
